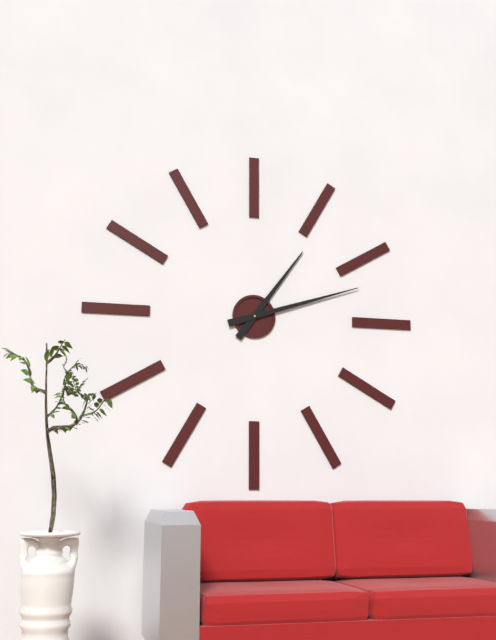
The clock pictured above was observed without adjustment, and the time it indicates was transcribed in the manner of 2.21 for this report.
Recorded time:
1.12
